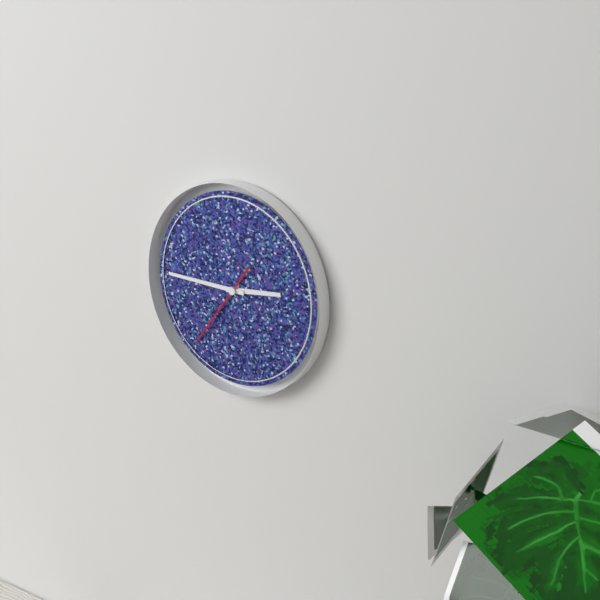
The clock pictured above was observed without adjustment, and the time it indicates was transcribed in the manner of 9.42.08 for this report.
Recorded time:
2.45.36
